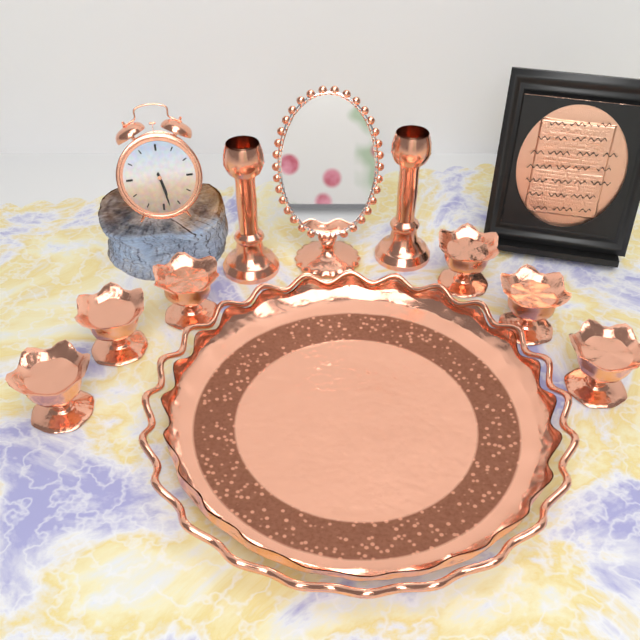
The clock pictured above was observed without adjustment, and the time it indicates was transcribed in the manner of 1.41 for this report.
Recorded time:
5.28
